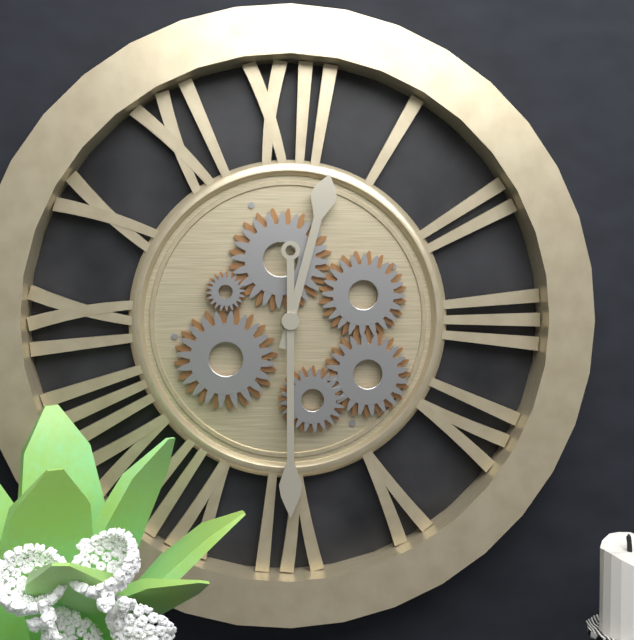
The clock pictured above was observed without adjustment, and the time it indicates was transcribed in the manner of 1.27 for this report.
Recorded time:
12.30
